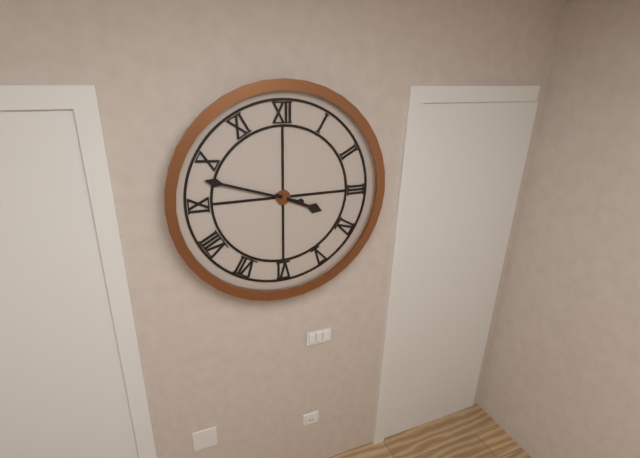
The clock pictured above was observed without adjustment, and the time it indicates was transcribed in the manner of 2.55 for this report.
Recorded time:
3.48
